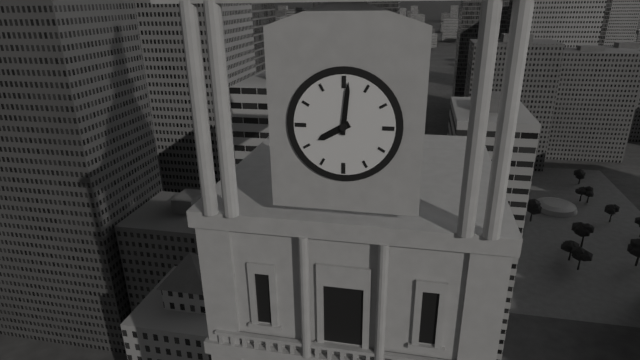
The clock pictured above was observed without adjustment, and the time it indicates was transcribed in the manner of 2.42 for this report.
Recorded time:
8.01
